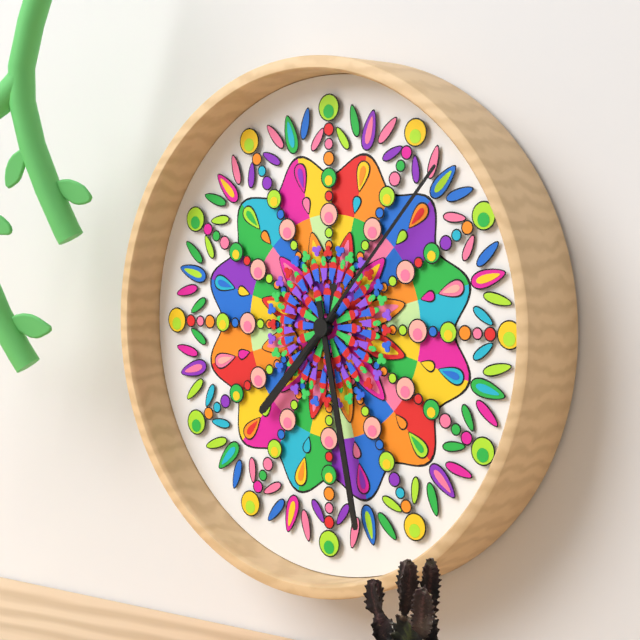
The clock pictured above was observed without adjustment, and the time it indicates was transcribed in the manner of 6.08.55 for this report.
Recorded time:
7.28.07
